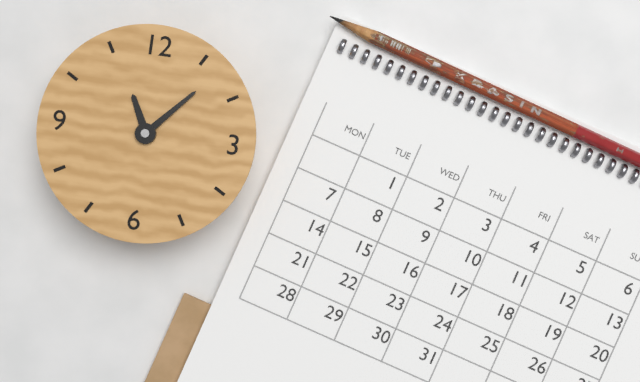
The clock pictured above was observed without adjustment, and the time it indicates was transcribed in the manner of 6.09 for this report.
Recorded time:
11.07
